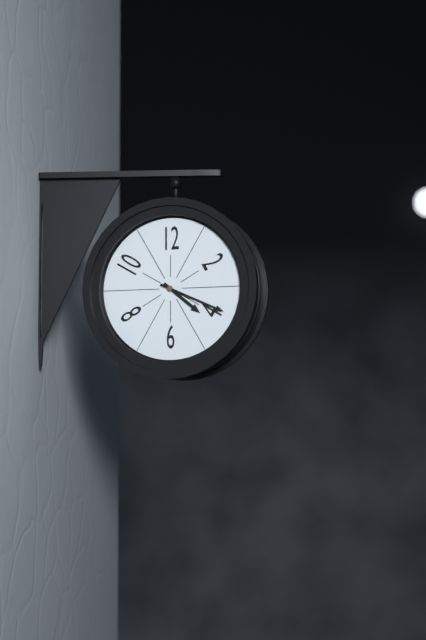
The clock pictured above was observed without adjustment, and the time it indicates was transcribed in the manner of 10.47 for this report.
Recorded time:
4.19
